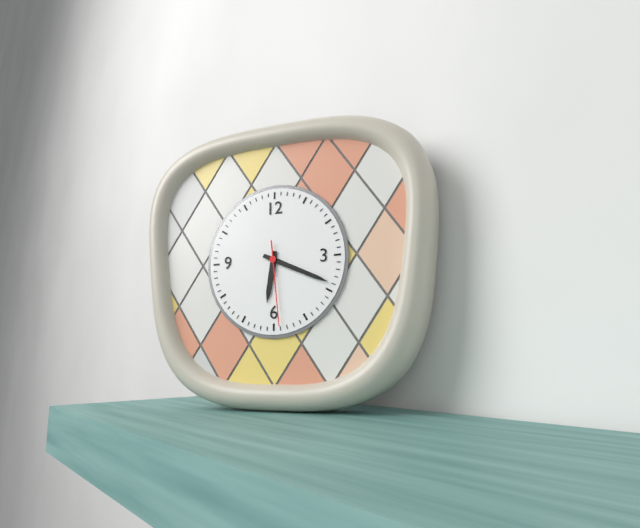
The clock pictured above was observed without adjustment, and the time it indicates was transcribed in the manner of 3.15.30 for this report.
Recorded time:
6.19.29
